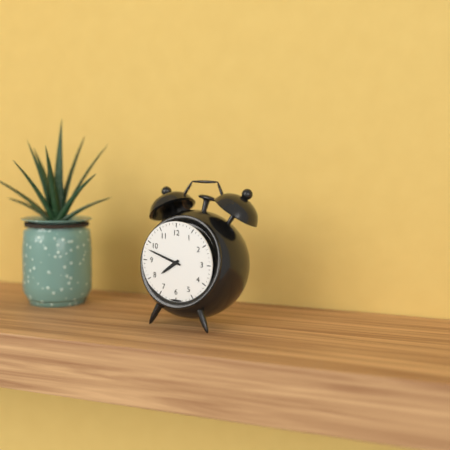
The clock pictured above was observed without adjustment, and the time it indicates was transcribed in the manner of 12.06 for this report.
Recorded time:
7.48
